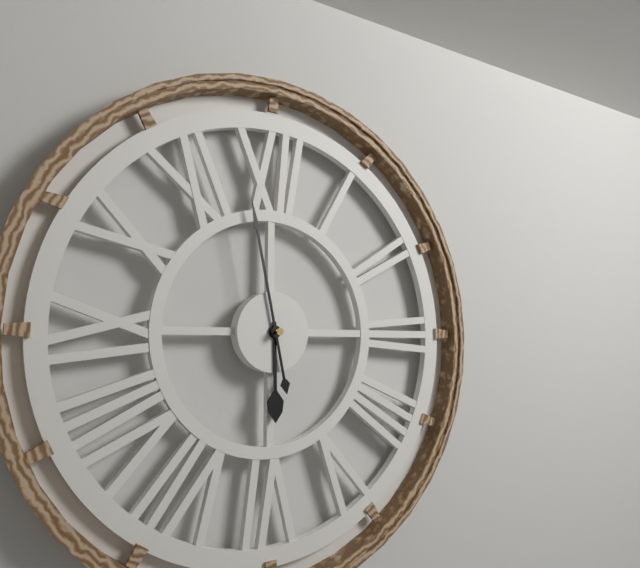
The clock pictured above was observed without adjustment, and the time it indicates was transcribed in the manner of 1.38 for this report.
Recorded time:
5.58
